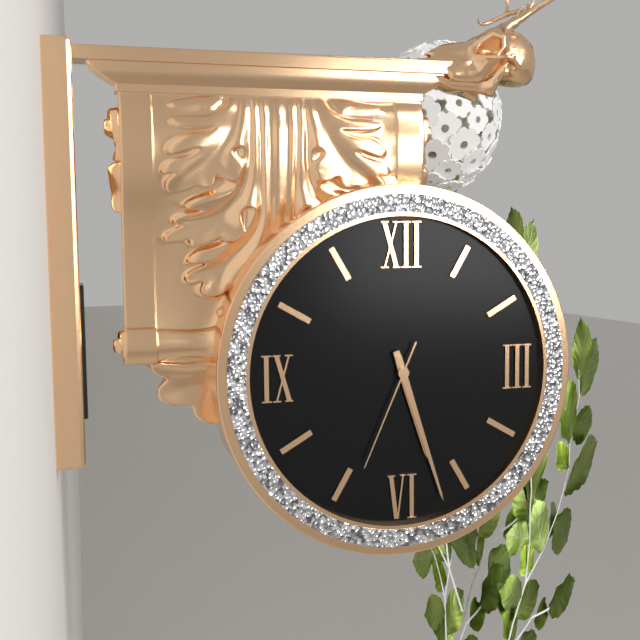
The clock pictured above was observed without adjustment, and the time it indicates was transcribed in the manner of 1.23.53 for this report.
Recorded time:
5.27.34
